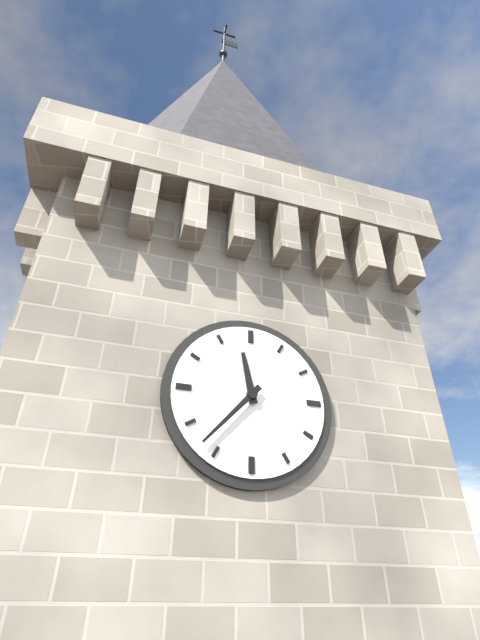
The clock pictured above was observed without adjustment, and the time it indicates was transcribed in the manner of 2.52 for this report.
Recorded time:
11.37
